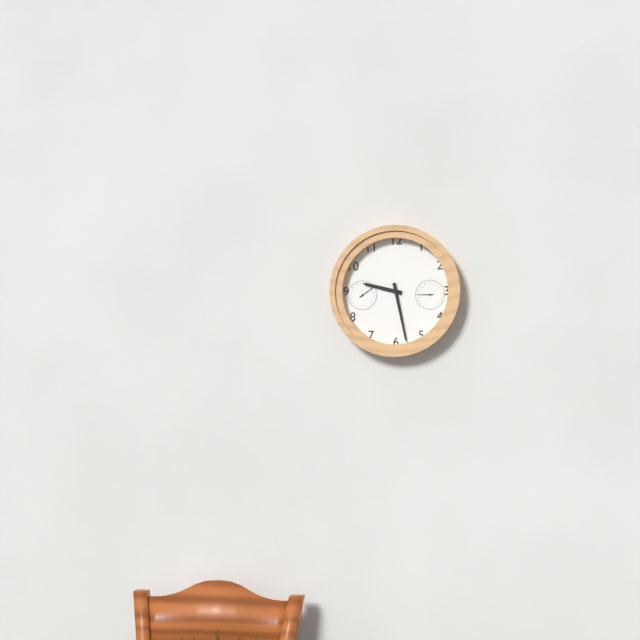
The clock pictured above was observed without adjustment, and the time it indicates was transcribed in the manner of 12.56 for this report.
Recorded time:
9.28
